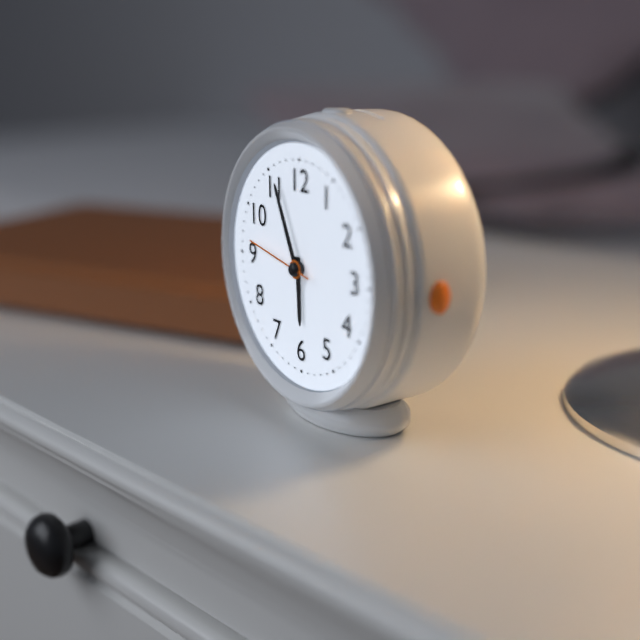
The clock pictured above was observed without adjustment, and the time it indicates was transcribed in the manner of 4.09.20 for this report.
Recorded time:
5.56.47
